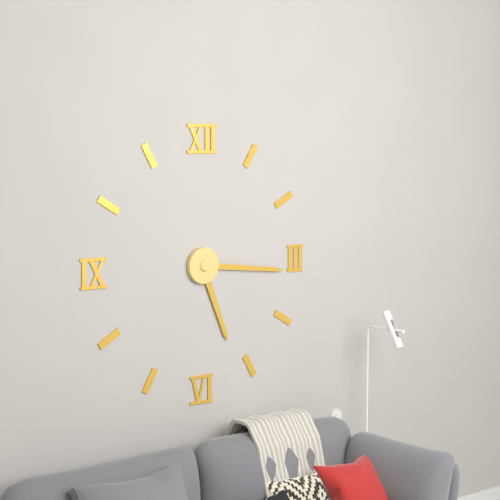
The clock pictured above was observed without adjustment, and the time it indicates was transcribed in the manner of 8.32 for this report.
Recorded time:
5.16
